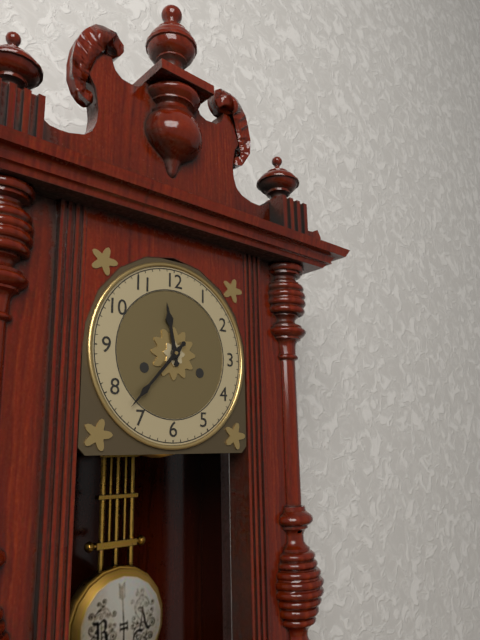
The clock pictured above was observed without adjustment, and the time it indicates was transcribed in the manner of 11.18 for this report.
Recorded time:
11.37
